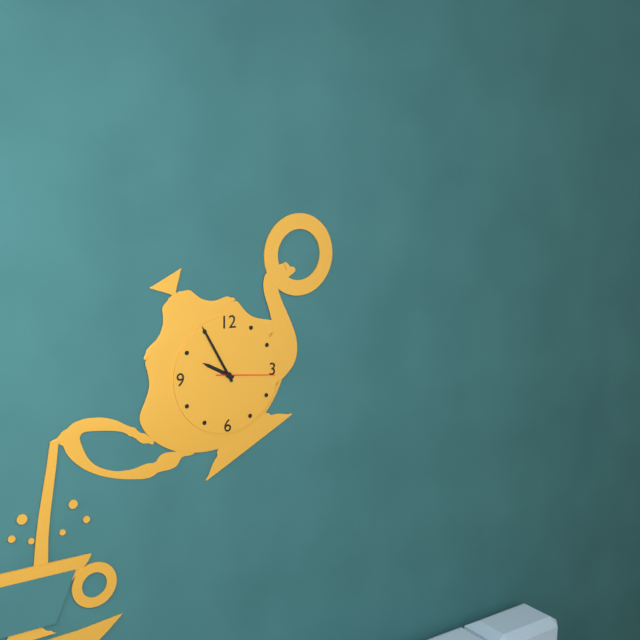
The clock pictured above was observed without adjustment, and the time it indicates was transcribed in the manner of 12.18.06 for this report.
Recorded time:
9.55.16
